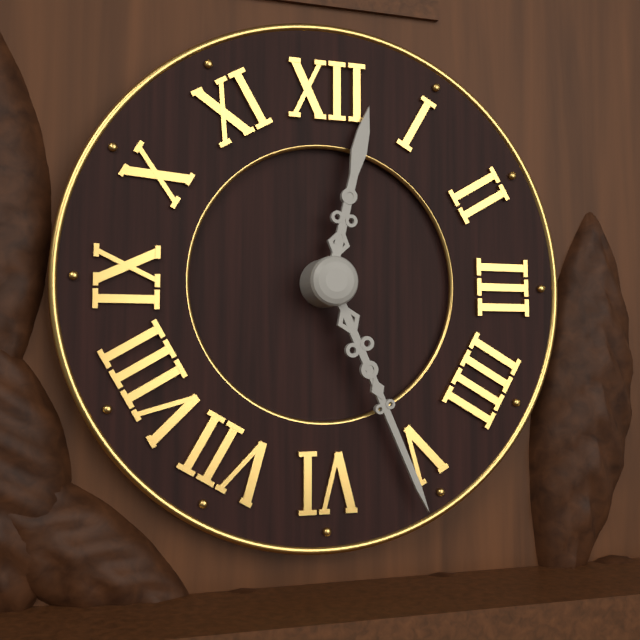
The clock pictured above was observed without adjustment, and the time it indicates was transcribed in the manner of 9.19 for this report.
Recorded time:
12.26
